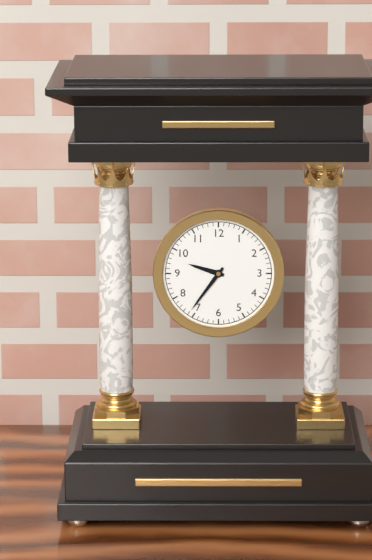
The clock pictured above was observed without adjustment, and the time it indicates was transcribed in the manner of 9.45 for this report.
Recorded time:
9.36
